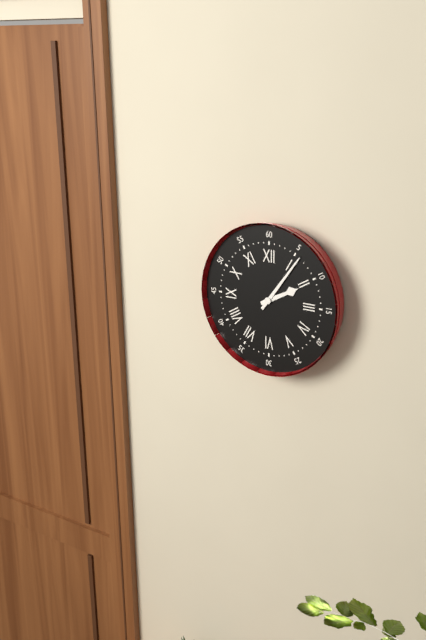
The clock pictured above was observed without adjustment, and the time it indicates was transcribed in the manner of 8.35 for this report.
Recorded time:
2.06
